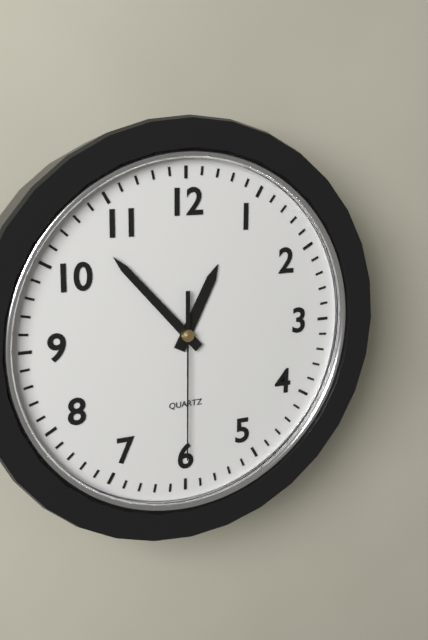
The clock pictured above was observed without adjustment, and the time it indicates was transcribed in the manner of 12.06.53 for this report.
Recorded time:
12.53.30
